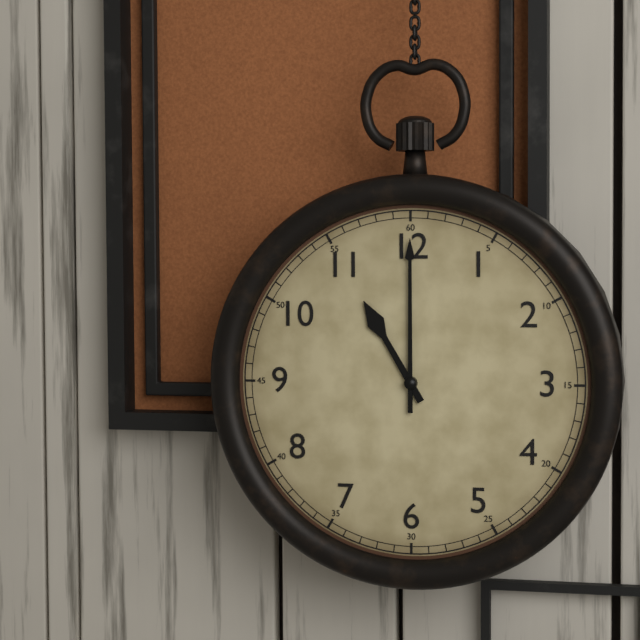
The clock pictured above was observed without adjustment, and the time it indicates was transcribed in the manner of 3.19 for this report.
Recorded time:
11.00
